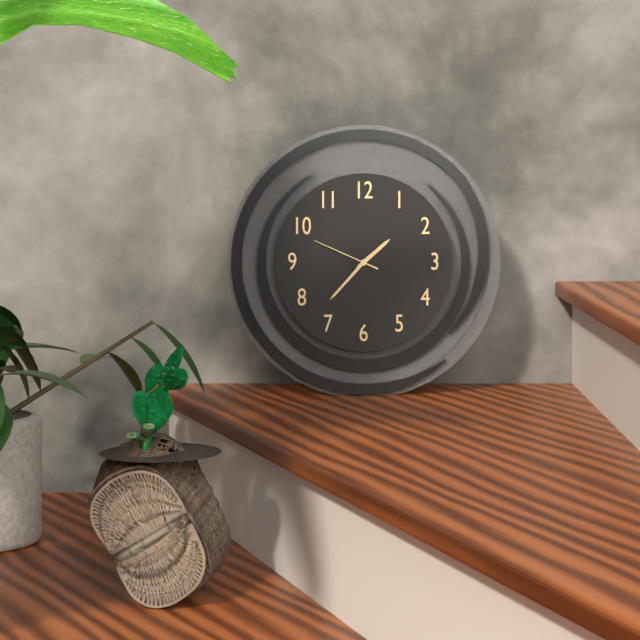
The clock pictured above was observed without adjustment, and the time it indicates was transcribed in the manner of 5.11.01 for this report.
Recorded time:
1.37.49
